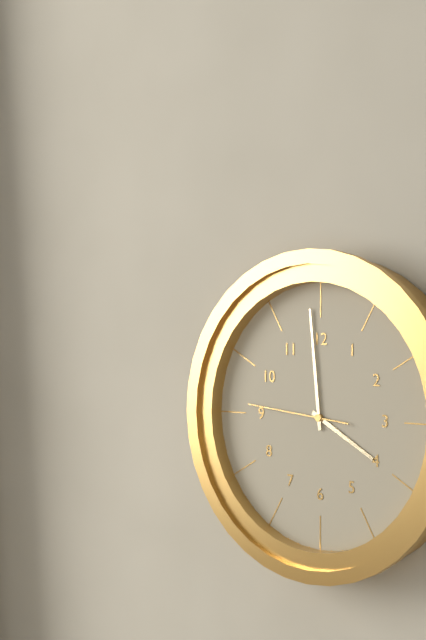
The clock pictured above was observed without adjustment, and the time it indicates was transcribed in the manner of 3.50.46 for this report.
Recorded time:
3.59.46
